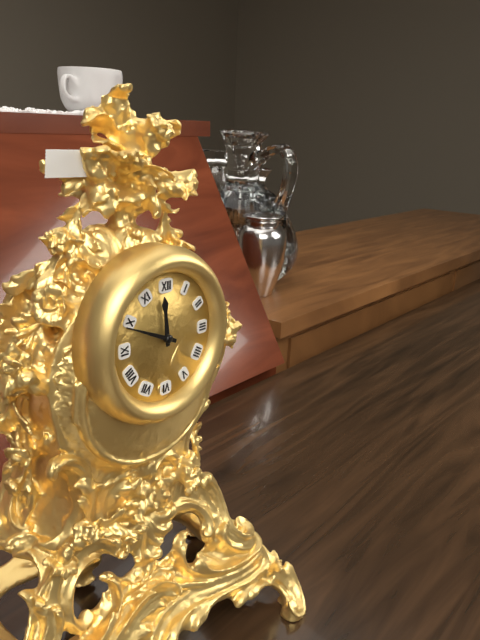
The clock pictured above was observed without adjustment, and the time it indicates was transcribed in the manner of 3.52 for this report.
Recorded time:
11.49
